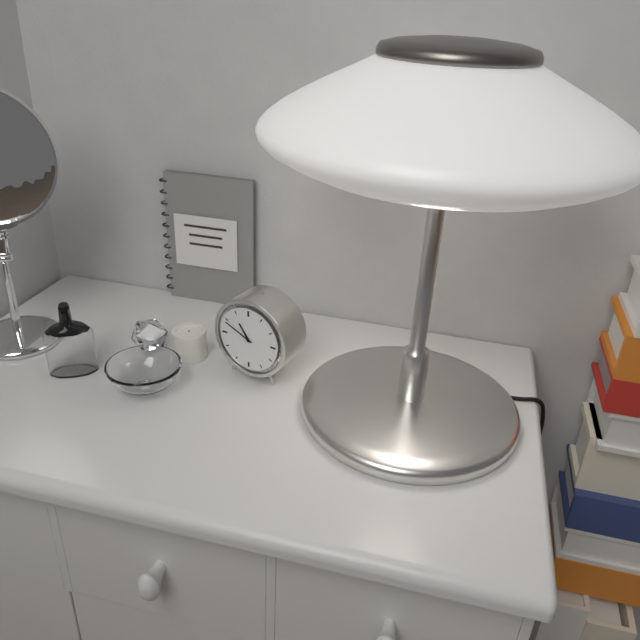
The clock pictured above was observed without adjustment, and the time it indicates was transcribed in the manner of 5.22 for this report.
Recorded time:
10.49
